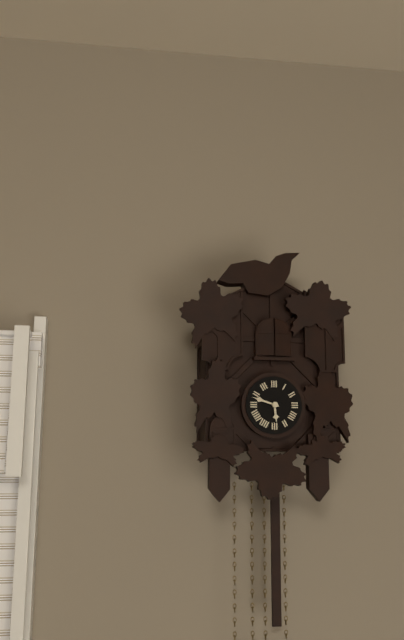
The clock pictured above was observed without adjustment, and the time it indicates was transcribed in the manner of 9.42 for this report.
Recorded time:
5.48
